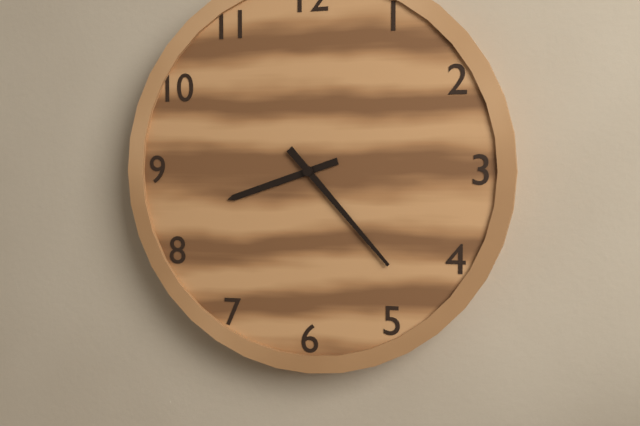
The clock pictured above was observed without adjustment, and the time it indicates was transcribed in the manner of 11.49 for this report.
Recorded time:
8.23
